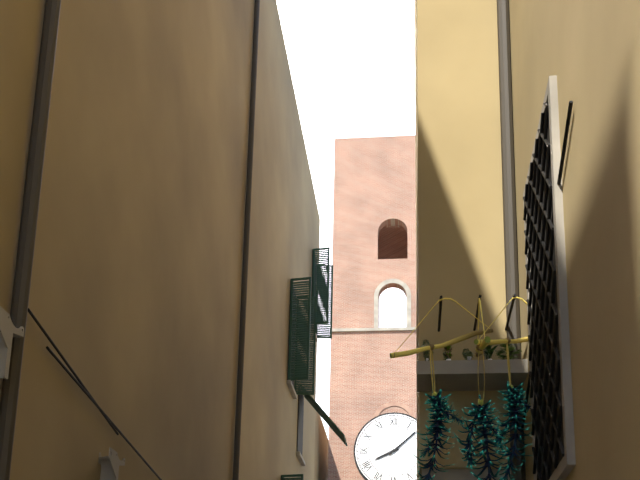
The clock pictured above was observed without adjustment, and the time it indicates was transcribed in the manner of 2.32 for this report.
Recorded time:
8.08
